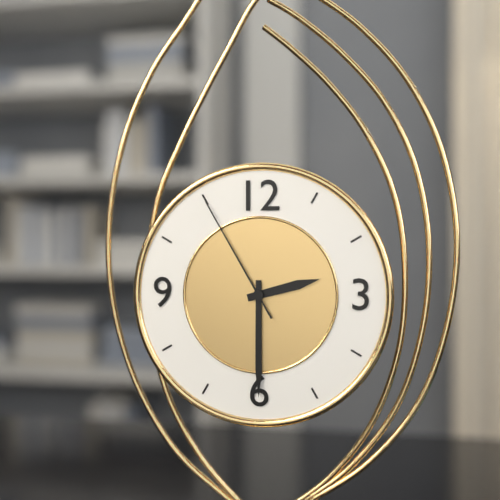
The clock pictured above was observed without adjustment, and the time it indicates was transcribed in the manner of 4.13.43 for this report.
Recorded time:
2.30.55
